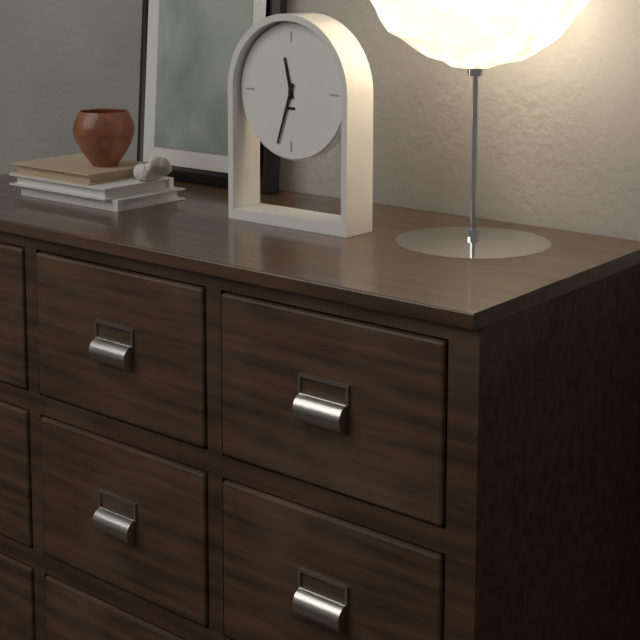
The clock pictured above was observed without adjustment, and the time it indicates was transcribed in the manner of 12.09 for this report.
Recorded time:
11.33
